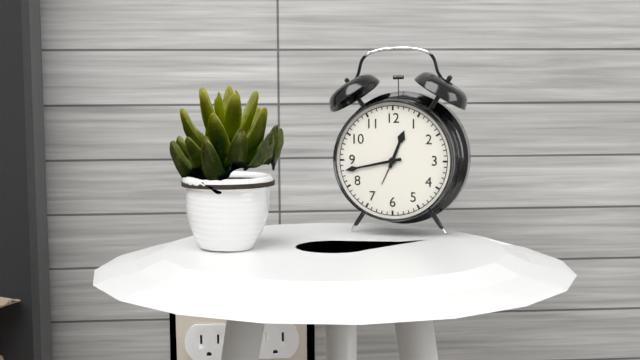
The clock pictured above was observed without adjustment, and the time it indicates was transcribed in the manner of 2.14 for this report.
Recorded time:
12.43
